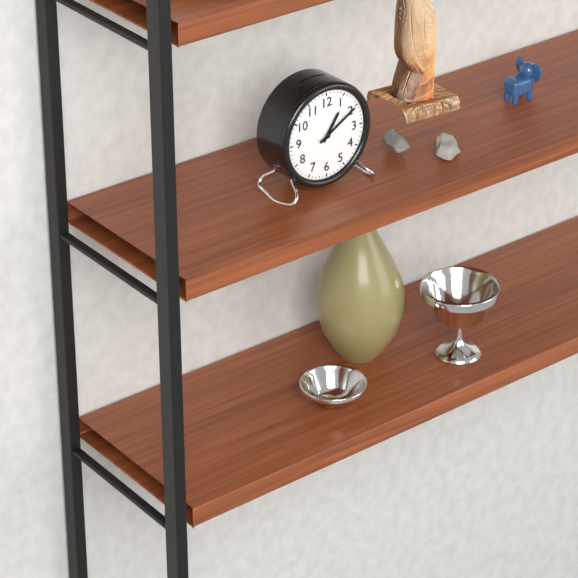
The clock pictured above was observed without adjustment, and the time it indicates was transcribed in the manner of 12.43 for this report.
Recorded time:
1.10
